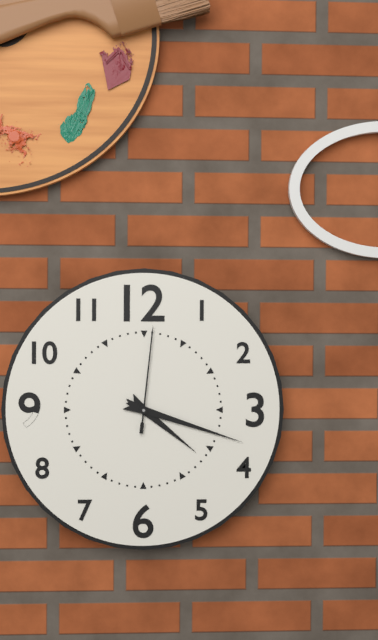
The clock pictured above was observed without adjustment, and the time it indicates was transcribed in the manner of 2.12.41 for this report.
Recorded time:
4.18.01
